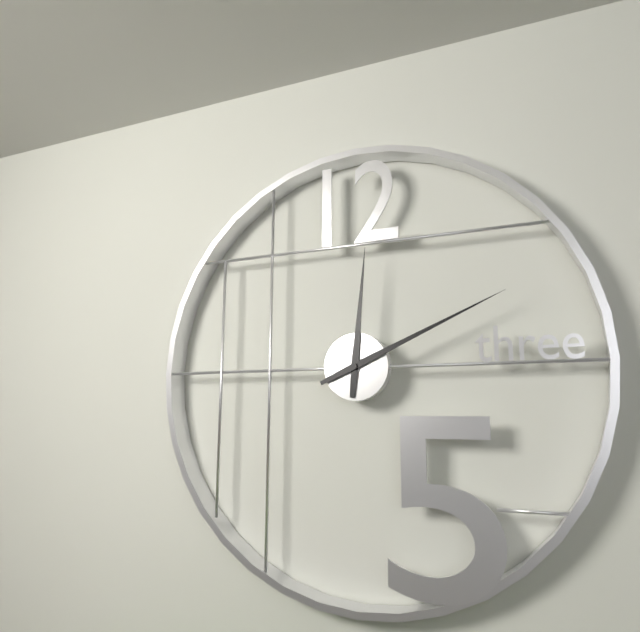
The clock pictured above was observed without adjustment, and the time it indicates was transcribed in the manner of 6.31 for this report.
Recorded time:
12.11
